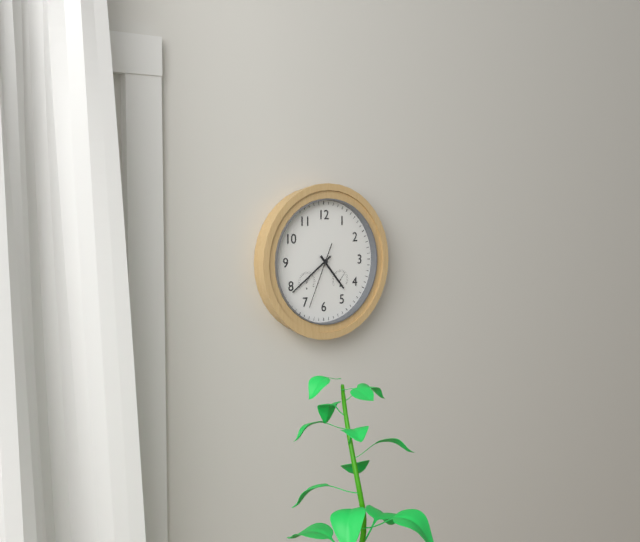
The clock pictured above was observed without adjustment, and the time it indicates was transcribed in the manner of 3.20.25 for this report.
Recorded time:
4.39.34
